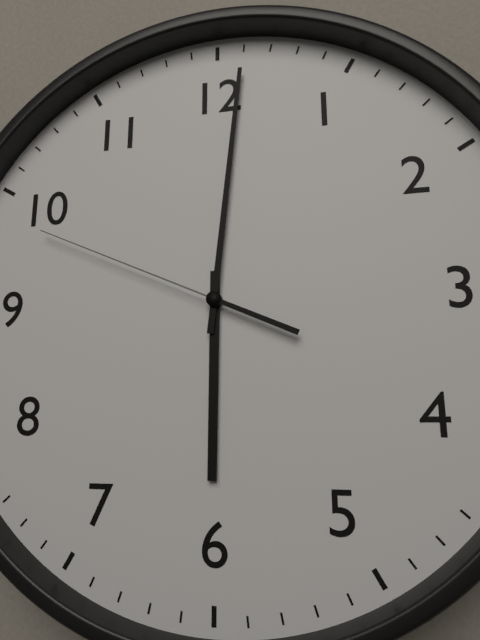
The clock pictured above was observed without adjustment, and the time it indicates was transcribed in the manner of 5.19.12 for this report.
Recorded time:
6.01.49
